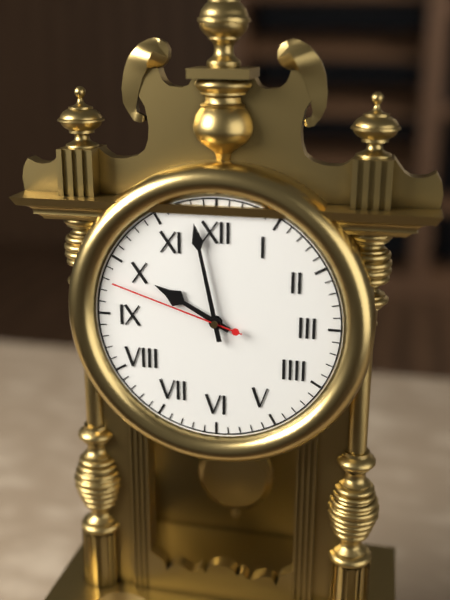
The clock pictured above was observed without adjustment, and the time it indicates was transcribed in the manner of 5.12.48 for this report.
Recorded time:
9.58.48
